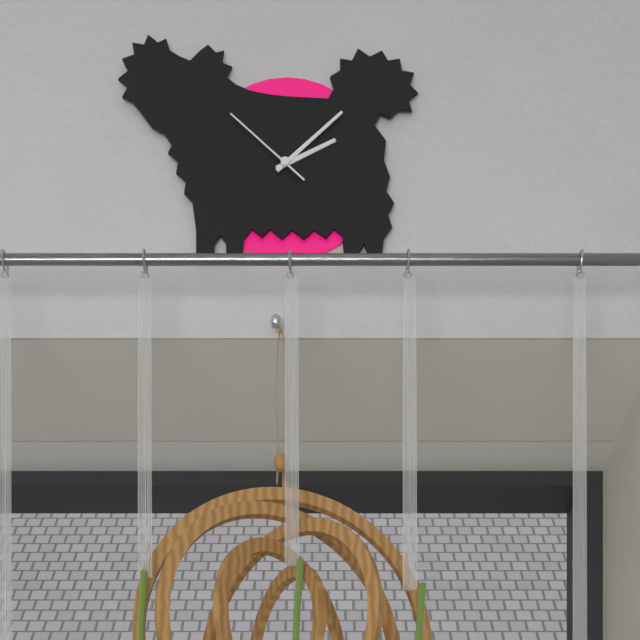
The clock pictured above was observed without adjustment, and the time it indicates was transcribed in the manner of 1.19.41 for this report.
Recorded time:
2.08.52
